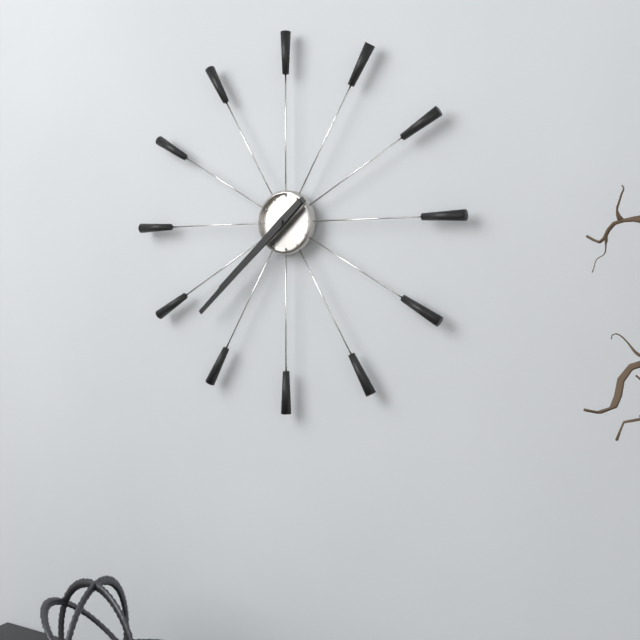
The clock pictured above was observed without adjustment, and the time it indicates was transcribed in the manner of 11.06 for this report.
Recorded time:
7.38
